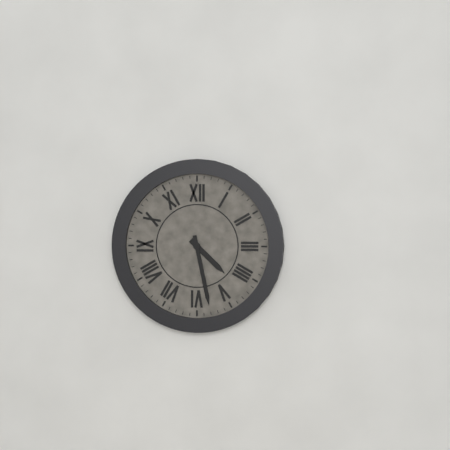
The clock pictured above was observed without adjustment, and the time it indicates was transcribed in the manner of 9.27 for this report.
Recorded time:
4.28
